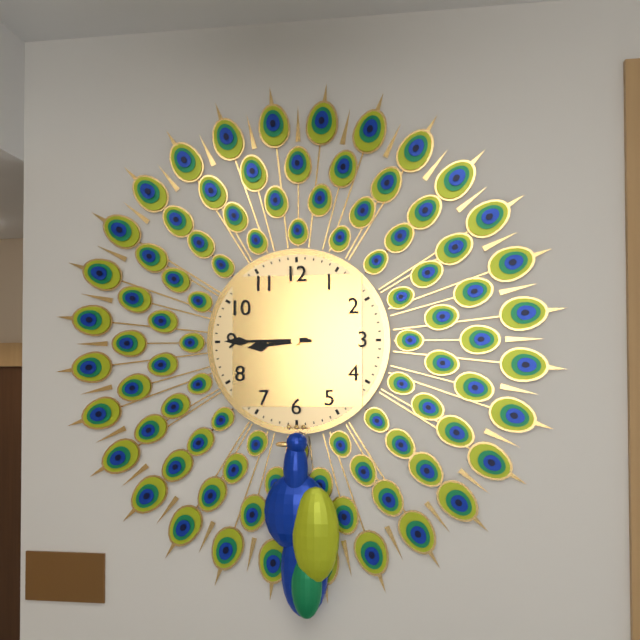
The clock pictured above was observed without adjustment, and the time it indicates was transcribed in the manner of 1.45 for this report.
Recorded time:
8.45
